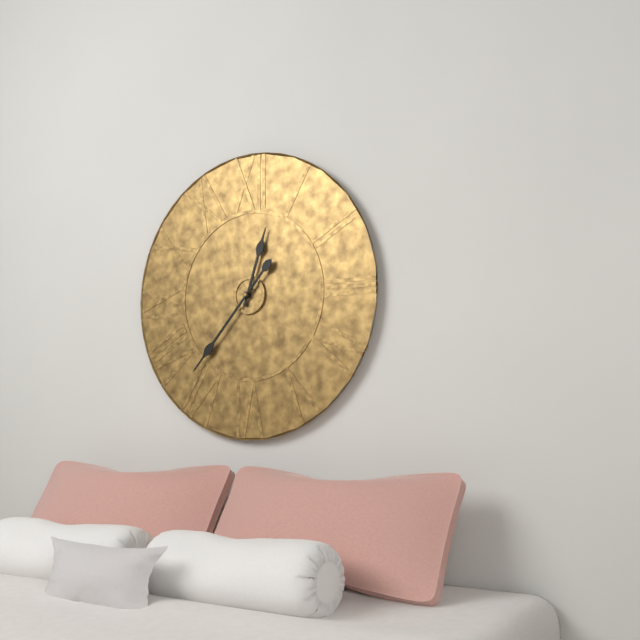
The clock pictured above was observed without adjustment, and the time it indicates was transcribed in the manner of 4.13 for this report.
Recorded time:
12.37
